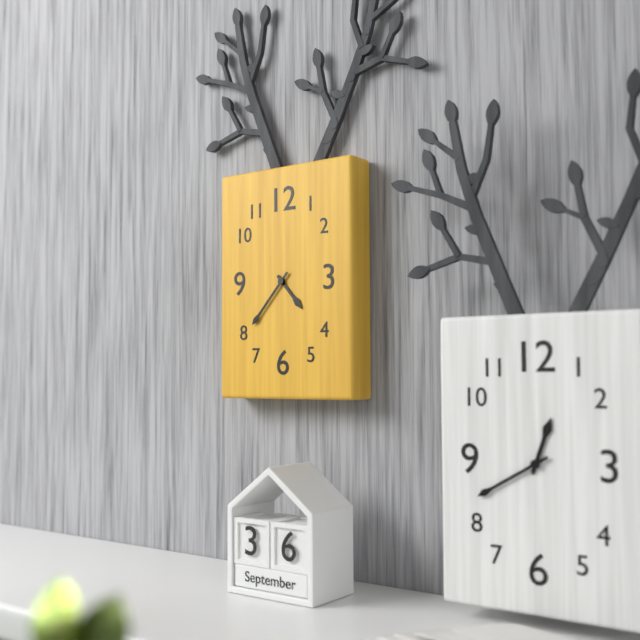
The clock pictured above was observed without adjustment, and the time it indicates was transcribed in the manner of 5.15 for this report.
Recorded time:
4.37
